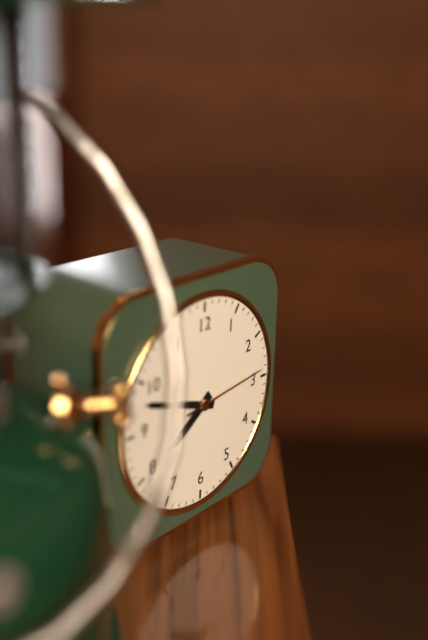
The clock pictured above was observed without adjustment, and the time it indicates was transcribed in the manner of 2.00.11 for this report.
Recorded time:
7.48.14
